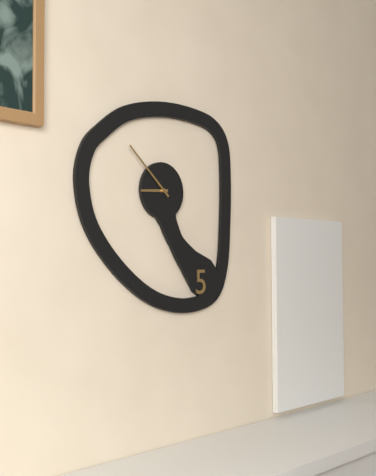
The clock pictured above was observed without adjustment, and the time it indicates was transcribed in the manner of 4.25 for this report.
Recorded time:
8.52
